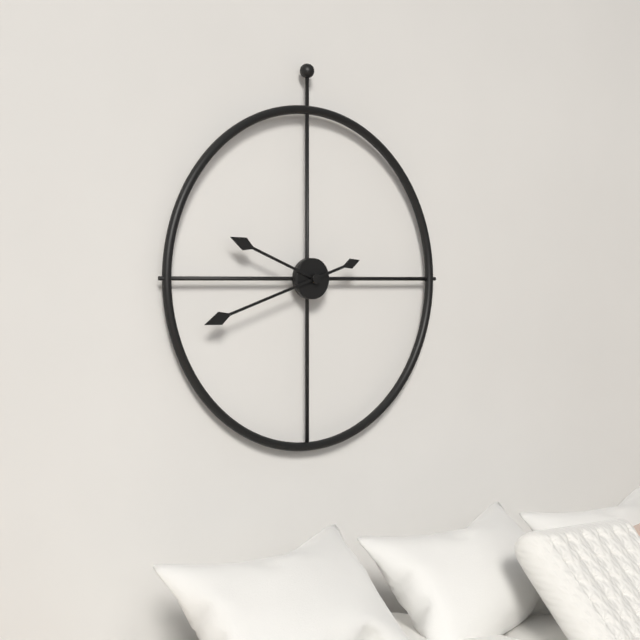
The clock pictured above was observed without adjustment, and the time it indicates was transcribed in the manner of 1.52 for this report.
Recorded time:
9.42
